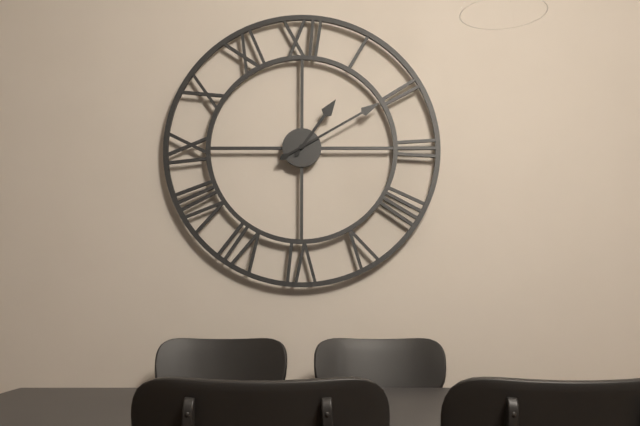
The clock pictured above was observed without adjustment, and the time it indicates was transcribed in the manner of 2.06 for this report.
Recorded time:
1.10
